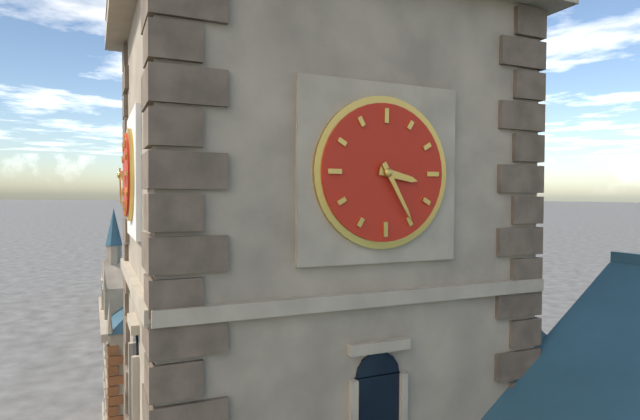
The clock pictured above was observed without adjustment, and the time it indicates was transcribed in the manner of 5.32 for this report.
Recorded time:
3.25
